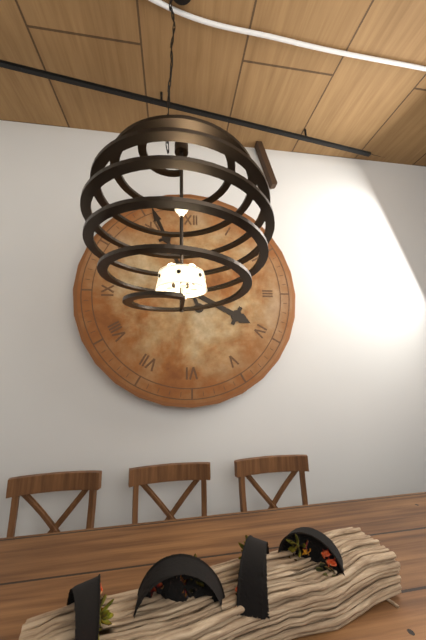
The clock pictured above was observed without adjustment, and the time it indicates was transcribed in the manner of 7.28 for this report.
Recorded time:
3.56
